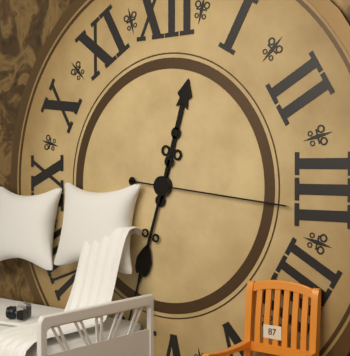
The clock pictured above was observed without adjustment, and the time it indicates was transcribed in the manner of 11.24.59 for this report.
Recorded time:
12.33.16
